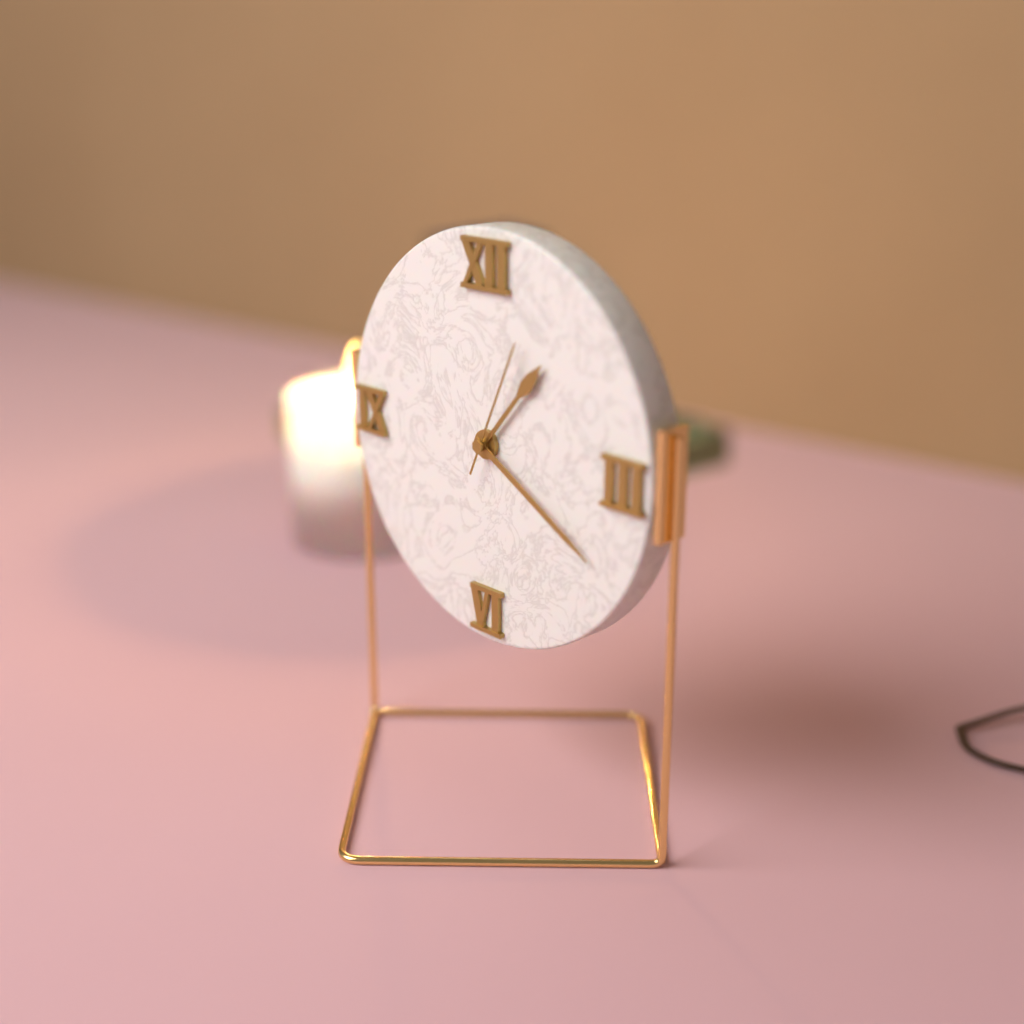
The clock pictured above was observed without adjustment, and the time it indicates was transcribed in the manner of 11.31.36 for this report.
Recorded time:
1.20.04
